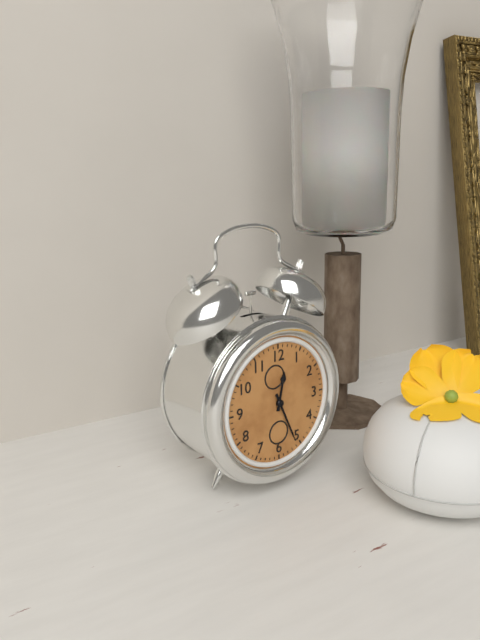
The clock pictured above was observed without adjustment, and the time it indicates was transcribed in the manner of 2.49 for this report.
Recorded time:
12.26
